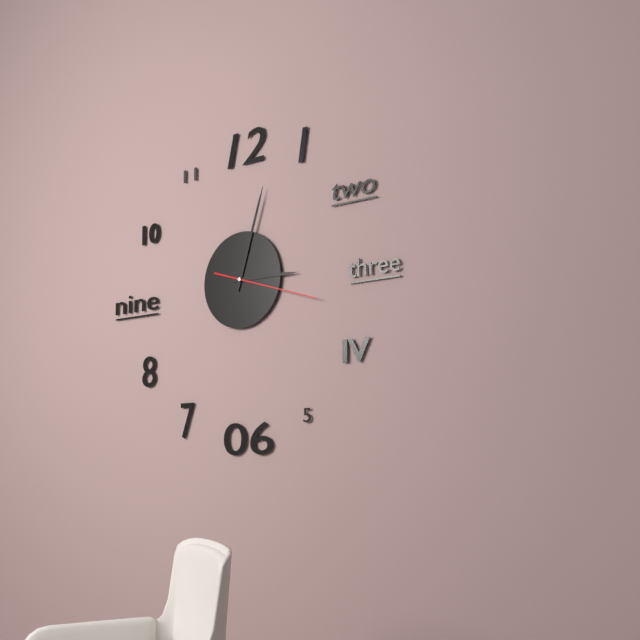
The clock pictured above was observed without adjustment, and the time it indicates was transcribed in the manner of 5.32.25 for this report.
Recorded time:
3.03.18
